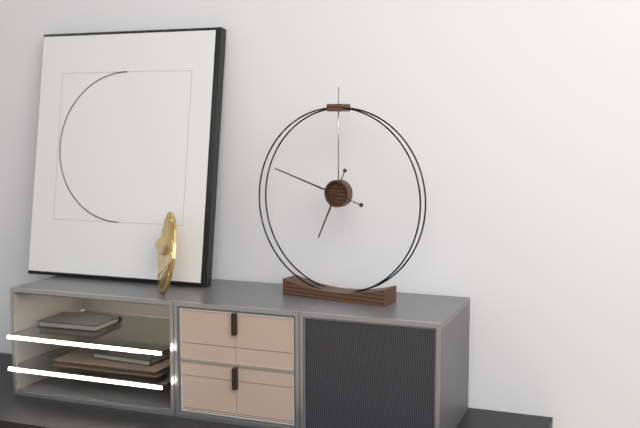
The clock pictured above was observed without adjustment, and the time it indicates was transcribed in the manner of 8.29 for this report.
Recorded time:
6.48
